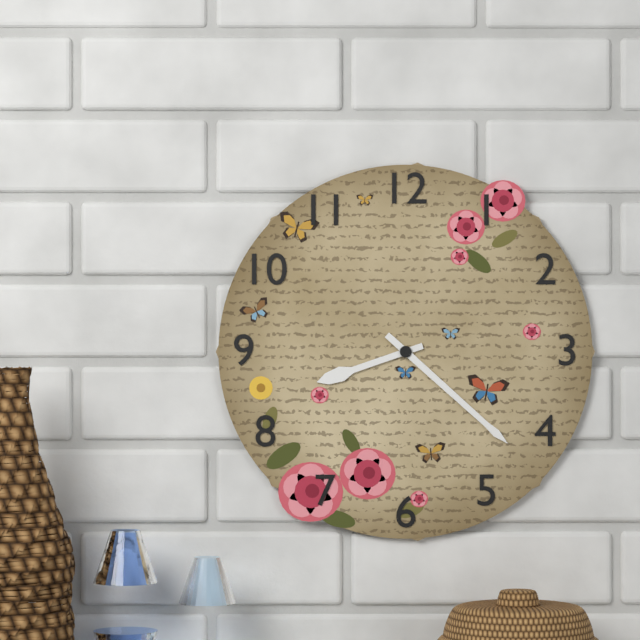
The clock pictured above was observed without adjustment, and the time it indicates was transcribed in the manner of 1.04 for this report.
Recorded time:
8.22
